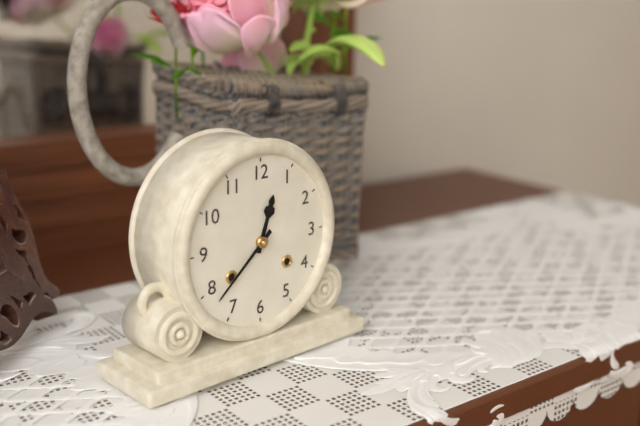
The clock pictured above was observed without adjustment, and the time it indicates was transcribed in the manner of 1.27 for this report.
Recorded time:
12.38
